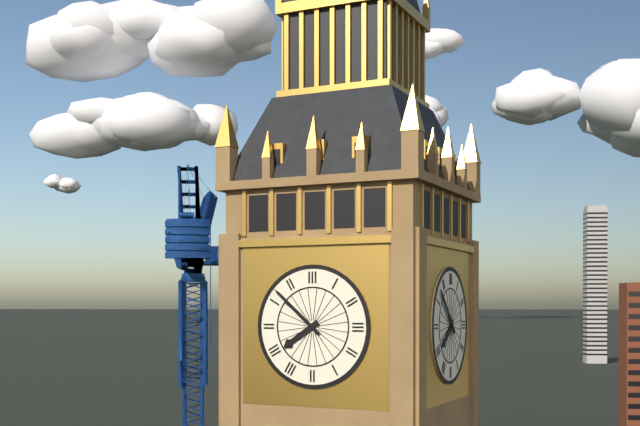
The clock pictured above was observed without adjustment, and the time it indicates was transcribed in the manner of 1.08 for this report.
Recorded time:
7.52
